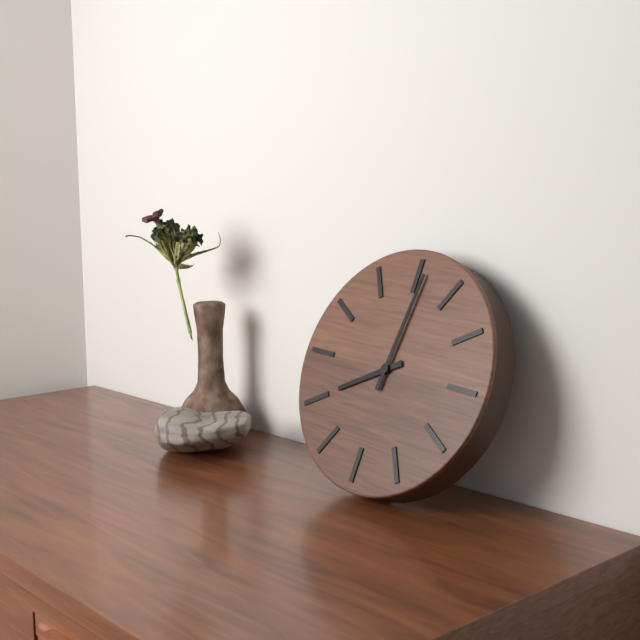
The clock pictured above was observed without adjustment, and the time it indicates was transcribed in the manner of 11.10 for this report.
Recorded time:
8.01
